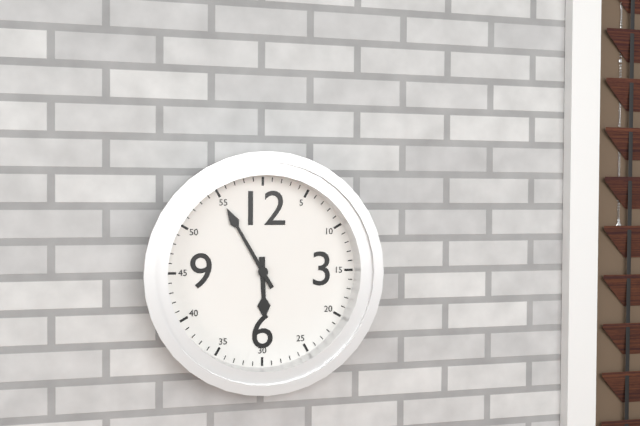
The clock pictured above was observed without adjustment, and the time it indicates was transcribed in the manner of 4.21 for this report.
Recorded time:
5.55
